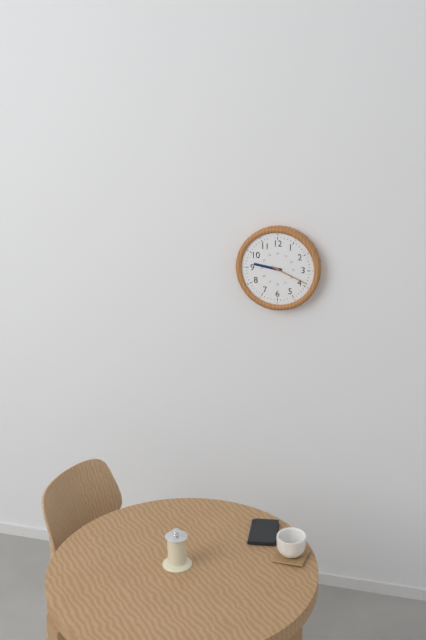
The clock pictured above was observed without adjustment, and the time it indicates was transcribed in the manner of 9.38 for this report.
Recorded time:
9.19
